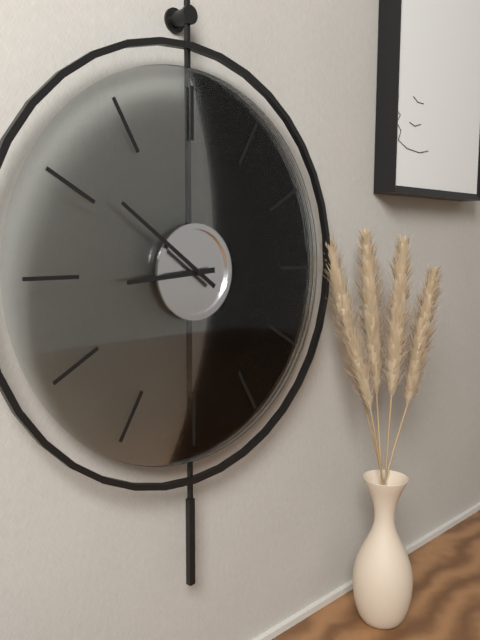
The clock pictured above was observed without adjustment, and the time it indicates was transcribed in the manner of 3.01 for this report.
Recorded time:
8.51
